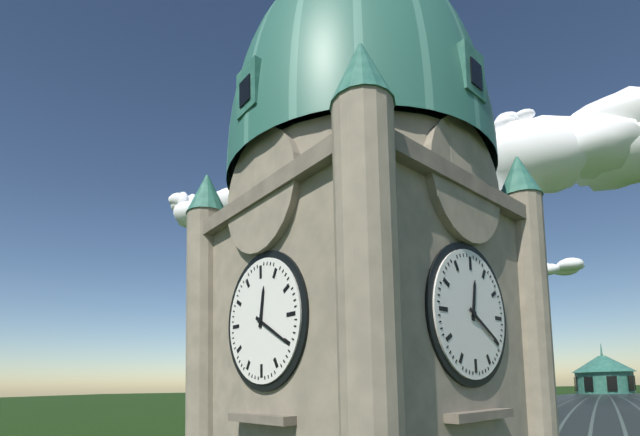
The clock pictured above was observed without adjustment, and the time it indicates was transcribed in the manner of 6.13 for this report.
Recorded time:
12.20
